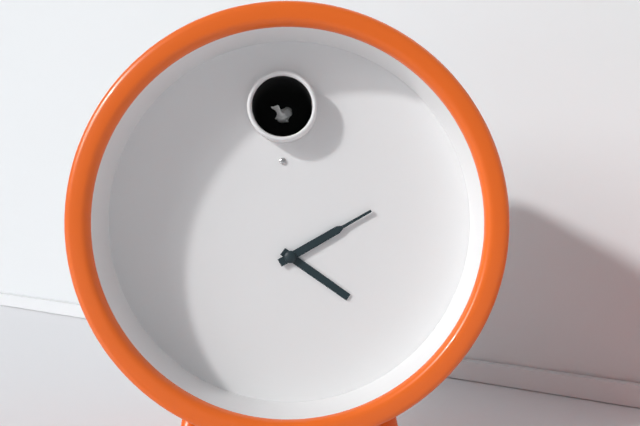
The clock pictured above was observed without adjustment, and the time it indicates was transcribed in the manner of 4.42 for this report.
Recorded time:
4.10
